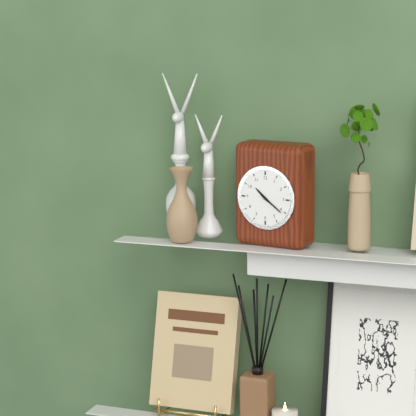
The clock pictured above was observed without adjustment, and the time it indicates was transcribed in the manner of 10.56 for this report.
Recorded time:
10.21
